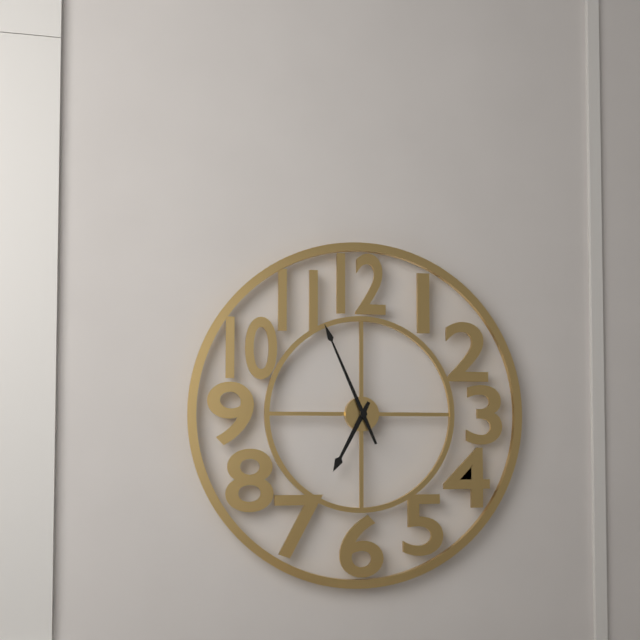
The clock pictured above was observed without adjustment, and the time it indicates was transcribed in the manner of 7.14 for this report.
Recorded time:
6.56
